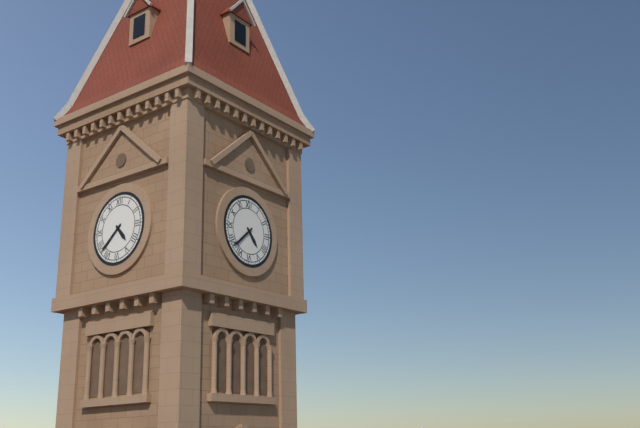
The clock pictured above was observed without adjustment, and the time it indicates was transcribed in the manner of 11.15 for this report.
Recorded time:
4.38
